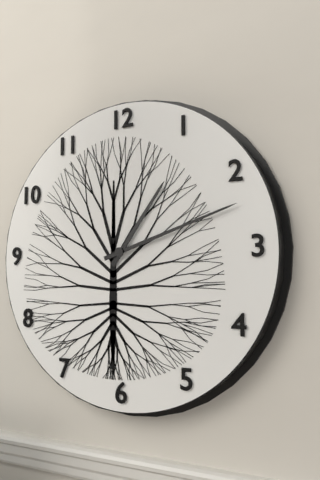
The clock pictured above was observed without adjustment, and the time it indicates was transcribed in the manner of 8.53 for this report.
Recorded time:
1.12
